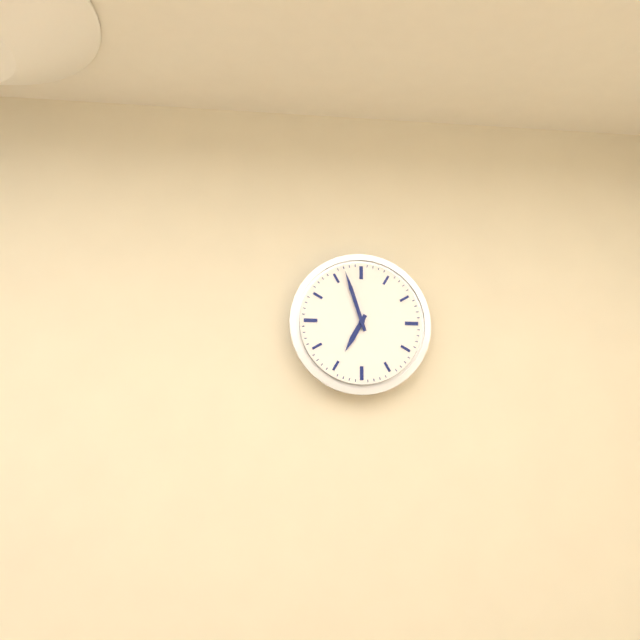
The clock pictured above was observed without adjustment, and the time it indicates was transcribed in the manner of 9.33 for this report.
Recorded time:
6.57
